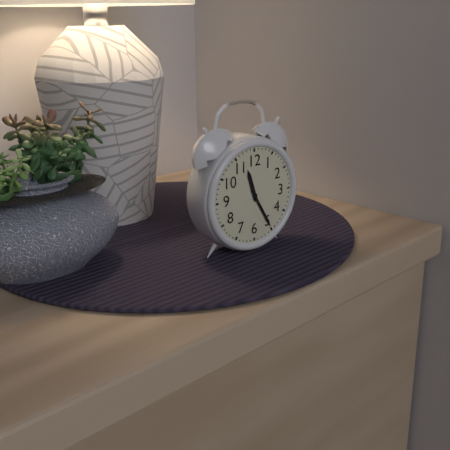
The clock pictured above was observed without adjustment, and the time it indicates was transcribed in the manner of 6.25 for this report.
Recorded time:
11.25
